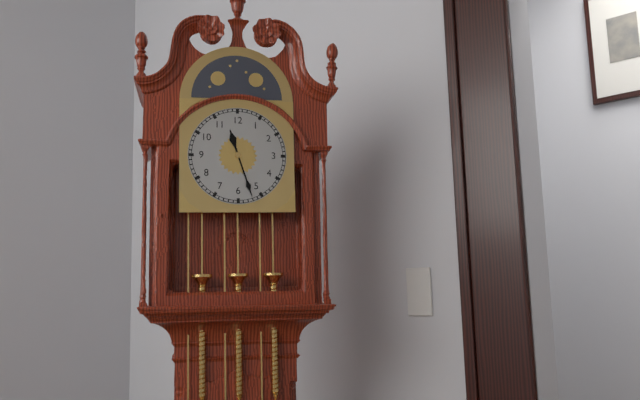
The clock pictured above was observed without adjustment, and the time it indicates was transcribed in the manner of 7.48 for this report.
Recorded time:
11.27
